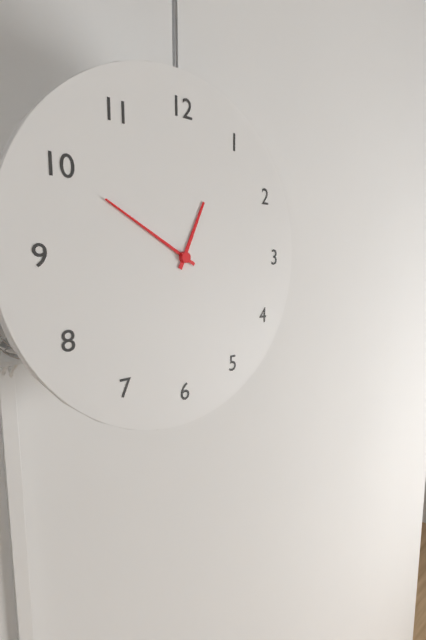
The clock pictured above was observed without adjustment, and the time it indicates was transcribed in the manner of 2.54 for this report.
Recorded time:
12.50
